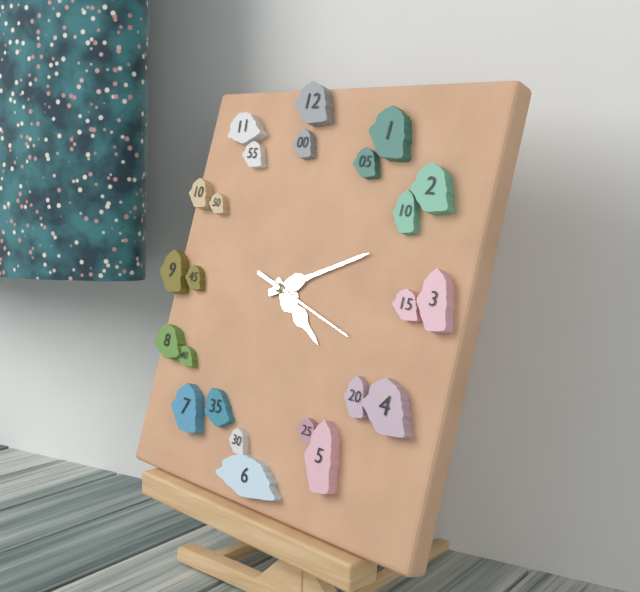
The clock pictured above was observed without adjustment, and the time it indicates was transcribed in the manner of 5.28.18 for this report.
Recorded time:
4.11.18
